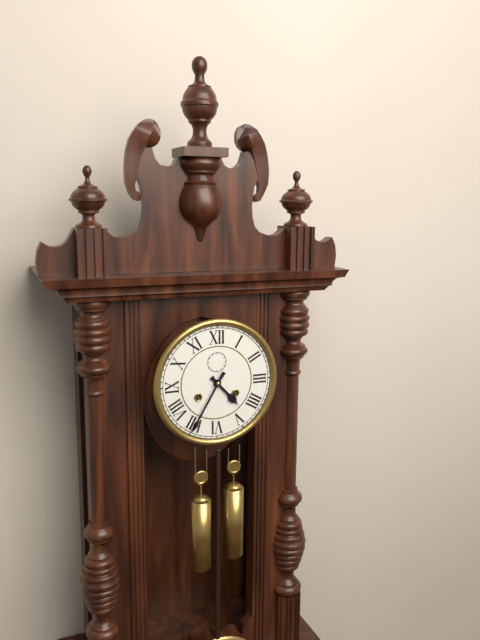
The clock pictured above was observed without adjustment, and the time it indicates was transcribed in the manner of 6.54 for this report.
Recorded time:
4.35
